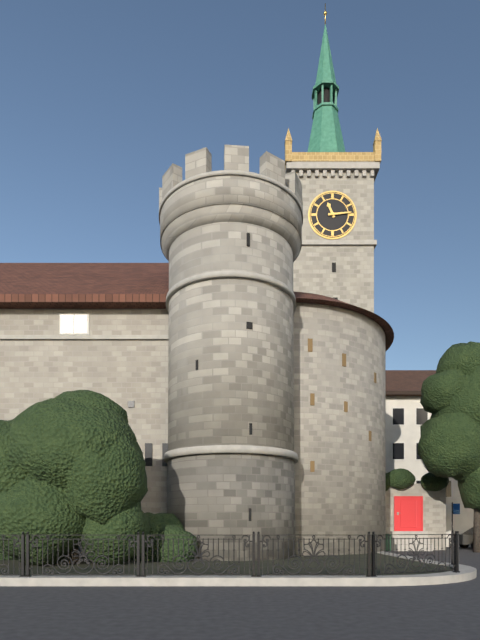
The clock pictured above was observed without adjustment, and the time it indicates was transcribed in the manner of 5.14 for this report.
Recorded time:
11.14
